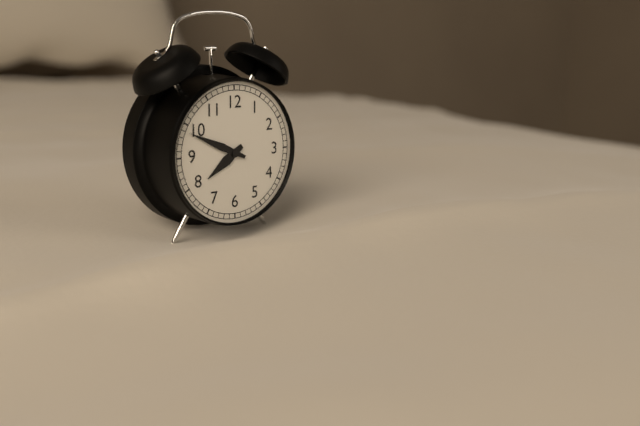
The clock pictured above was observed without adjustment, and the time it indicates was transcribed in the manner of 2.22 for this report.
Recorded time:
7.49
